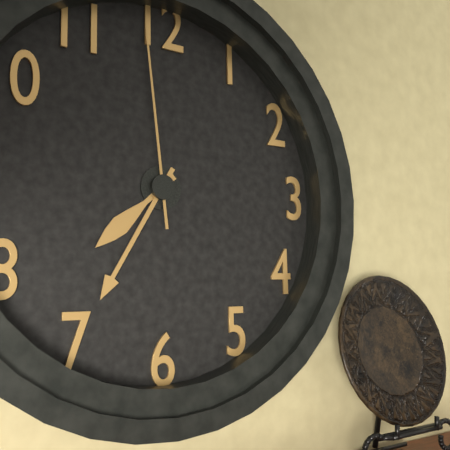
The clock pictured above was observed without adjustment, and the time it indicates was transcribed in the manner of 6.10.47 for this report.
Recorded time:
7.35.59
